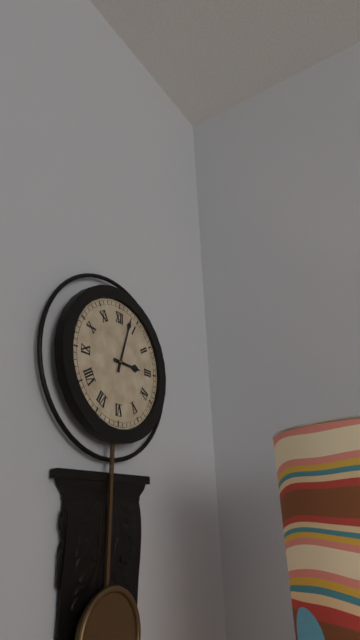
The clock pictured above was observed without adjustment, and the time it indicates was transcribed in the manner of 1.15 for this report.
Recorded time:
3.03
